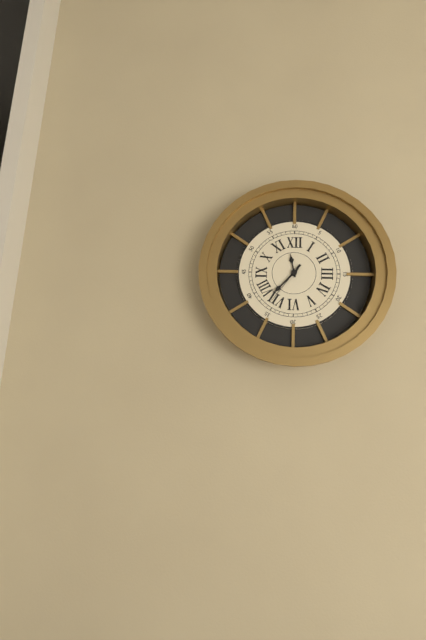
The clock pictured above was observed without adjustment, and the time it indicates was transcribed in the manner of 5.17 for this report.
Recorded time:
11.37
